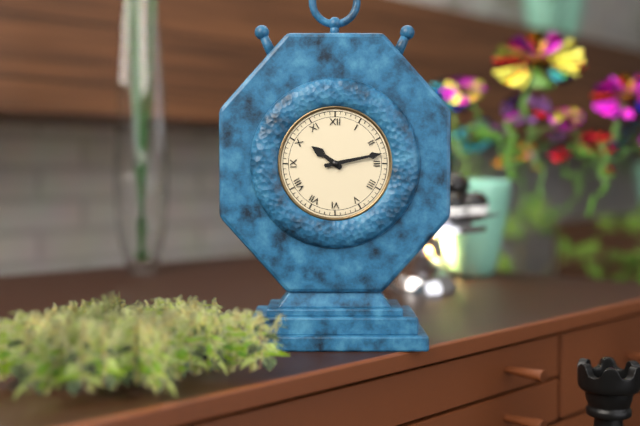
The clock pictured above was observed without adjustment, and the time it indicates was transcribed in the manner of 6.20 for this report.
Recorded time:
10.13
